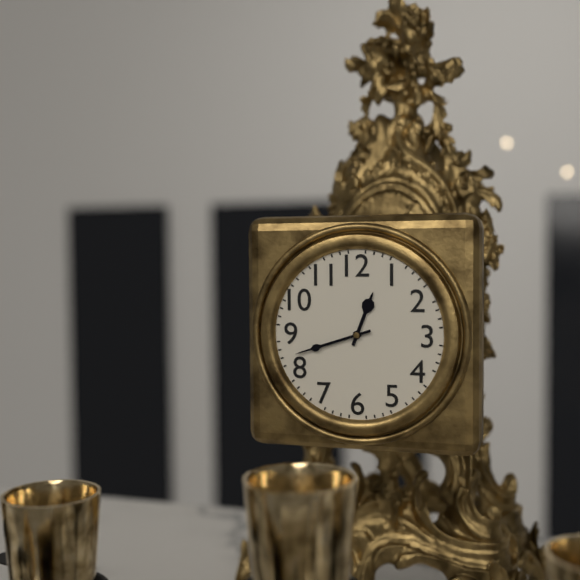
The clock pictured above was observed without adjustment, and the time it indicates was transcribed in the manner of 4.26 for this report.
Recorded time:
12.42
